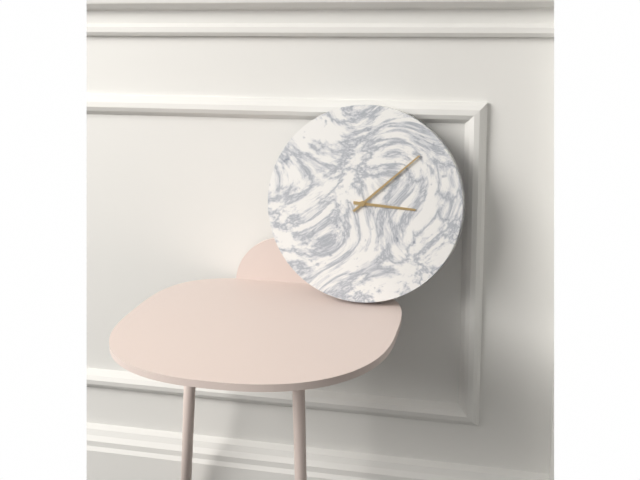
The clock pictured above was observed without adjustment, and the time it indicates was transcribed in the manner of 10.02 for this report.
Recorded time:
3.08
